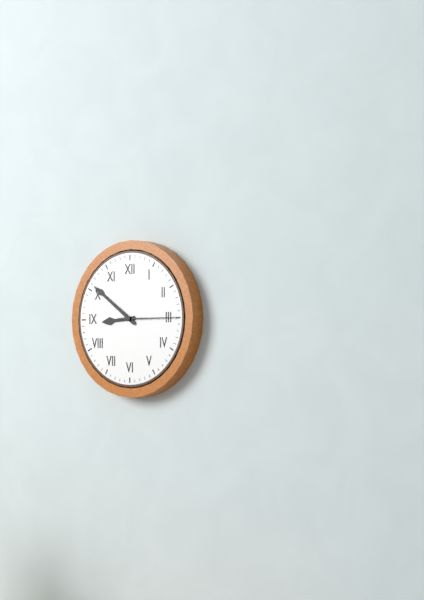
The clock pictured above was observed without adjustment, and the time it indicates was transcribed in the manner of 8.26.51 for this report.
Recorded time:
8.51.15
